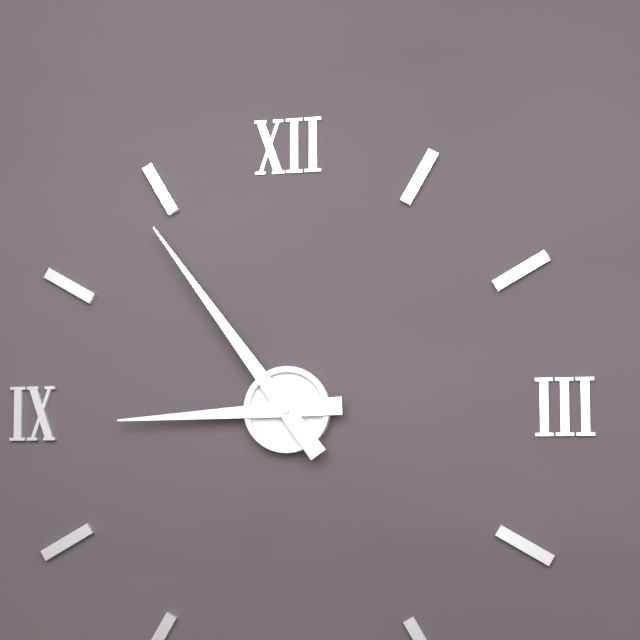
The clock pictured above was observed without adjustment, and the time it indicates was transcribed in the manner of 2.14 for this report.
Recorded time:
8.54
